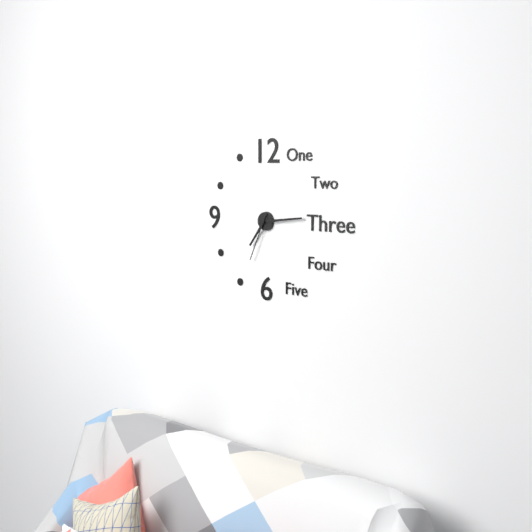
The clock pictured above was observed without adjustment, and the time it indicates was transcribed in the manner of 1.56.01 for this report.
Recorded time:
7.14.34
